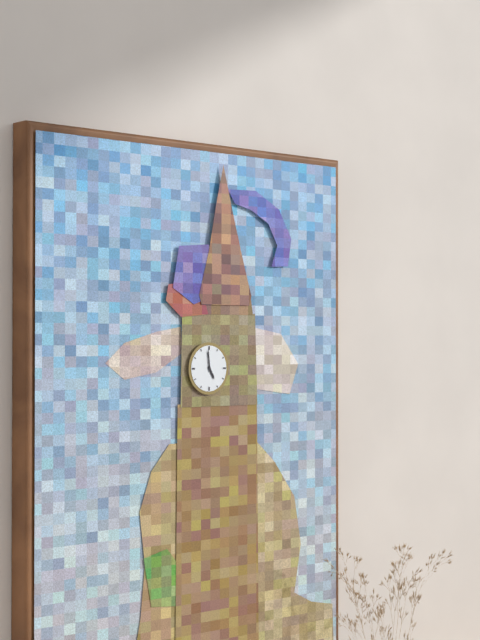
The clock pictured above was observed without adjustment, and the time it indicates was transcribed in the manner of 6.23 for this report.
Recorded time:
4.59
